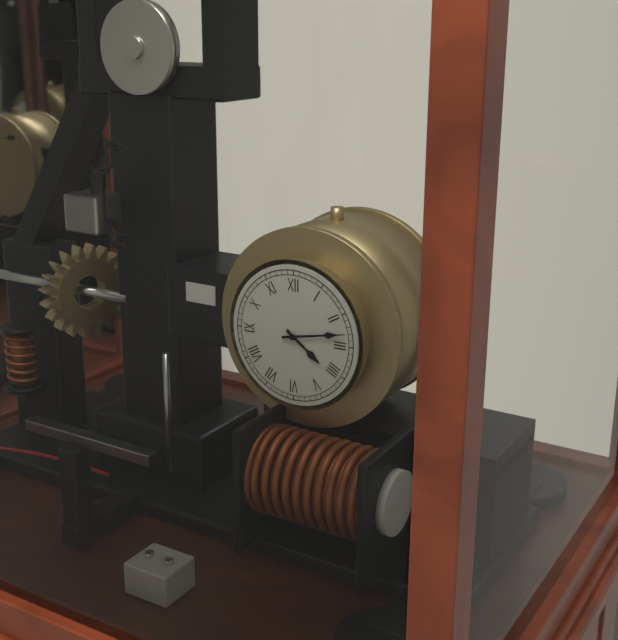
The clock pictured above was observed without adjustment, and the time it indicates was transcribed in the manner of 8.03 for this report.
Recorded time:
4.13
